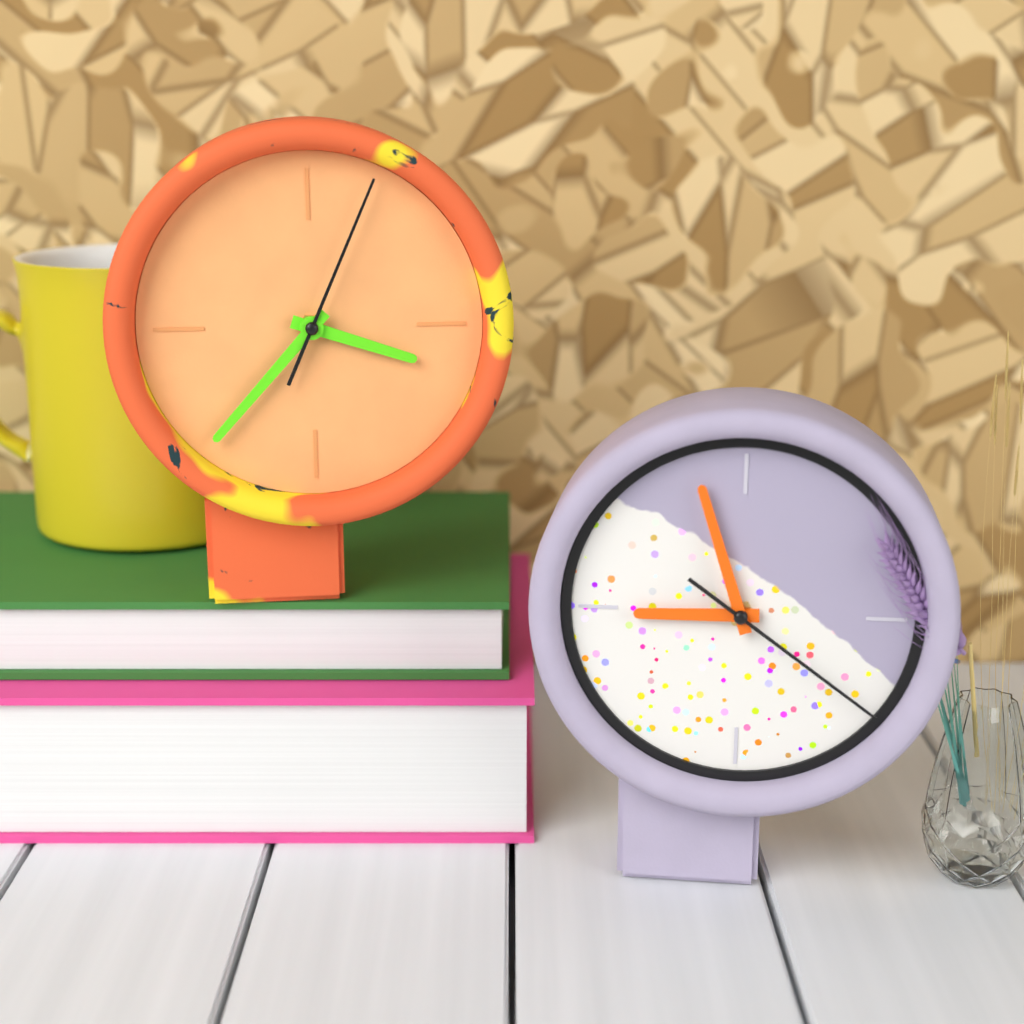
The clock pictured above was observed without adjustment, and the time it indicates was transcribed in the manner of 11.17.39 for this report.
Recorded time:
3.37.04
